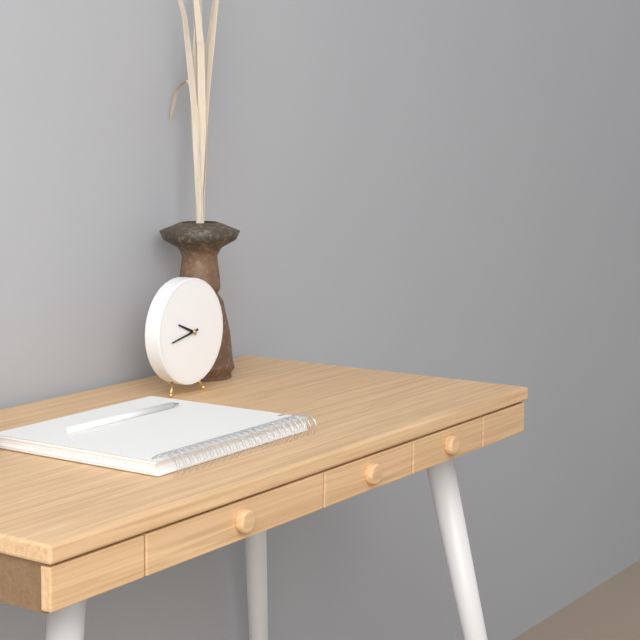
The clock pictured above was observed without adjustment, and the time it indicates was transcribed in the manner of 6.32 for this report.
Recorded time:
9.43
